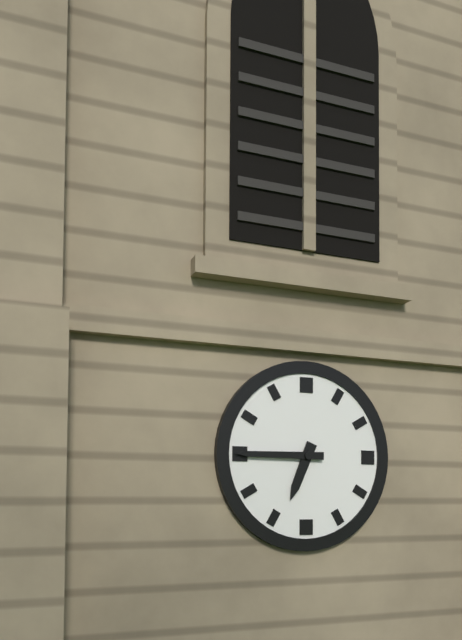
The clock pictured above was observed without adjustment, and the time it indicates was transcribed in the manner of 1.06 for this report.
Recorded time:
6.45
